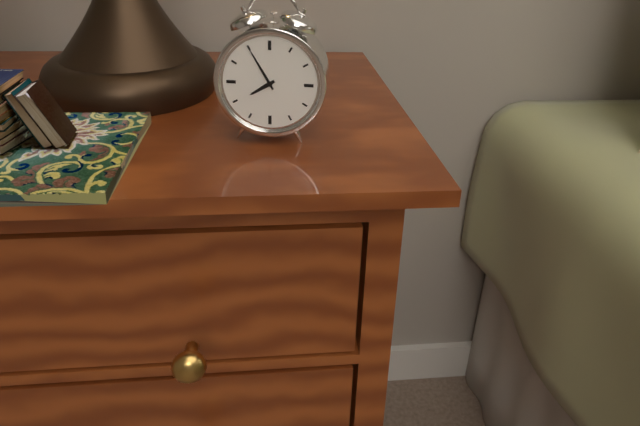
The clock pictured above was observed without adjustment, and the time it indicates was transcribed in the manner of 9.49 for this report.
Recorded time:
7.55
